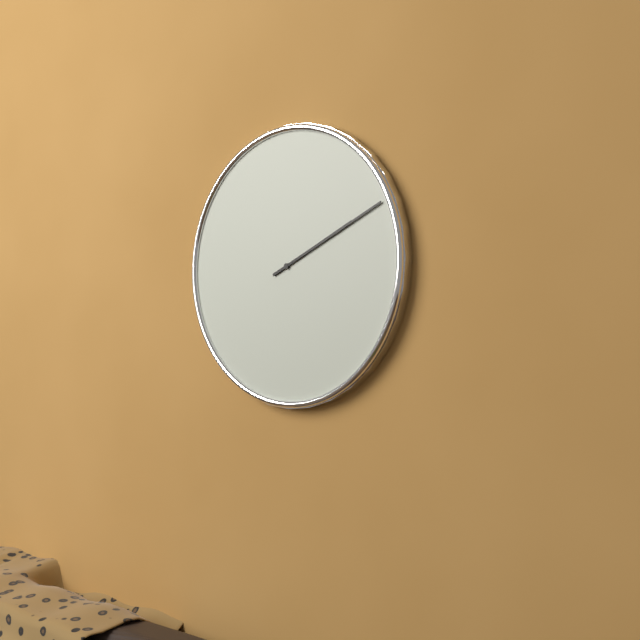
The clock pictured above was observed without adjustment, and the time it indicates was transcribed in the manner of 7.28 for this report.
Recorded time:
2.11
